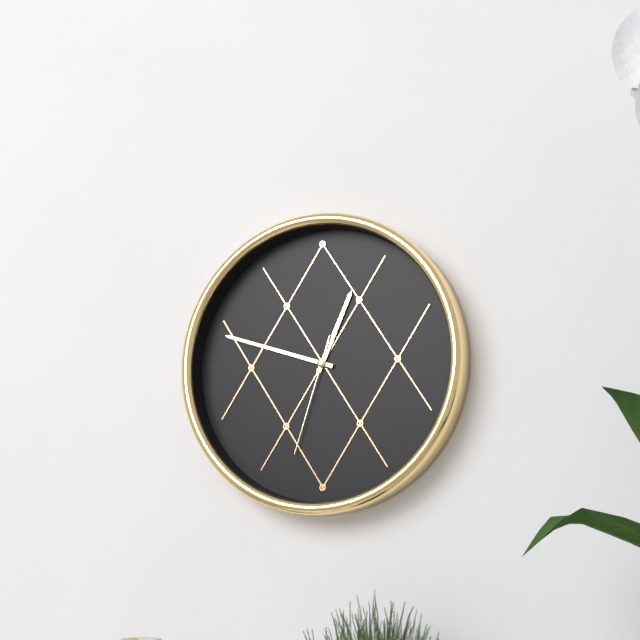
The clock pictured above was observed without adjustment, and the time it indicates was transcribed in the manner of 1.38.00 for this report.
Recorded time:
12.48.33
